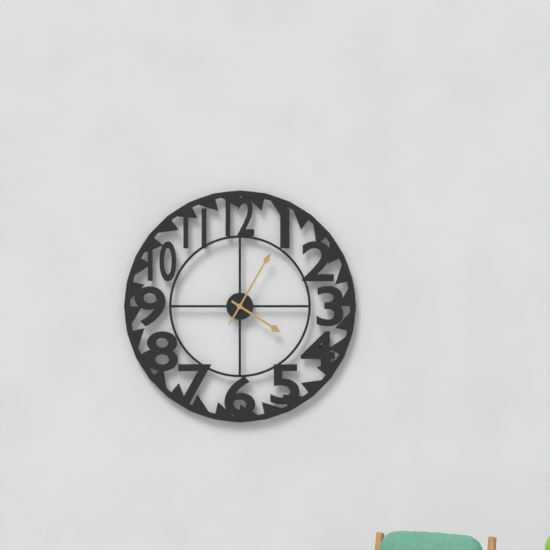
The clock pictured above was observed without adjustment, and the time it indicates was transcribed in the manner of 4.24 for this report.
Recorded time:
4.05
